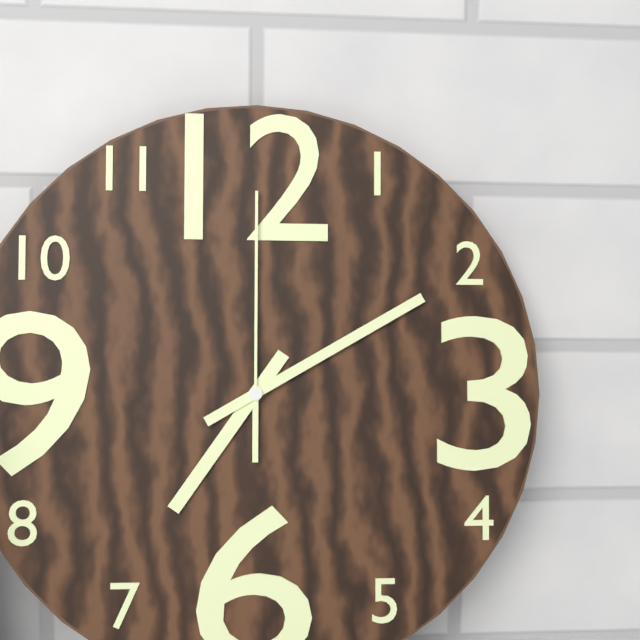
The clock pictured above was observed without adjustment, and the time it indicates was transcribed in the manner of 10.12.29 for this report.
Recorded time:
7.10.00
